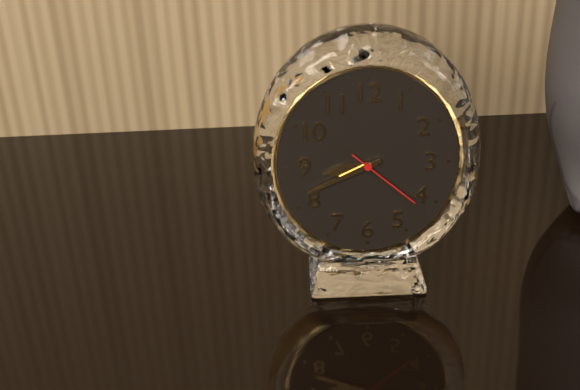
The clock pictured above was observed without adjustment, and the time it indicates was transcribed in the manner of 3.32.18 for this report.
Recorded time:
8.41.22
